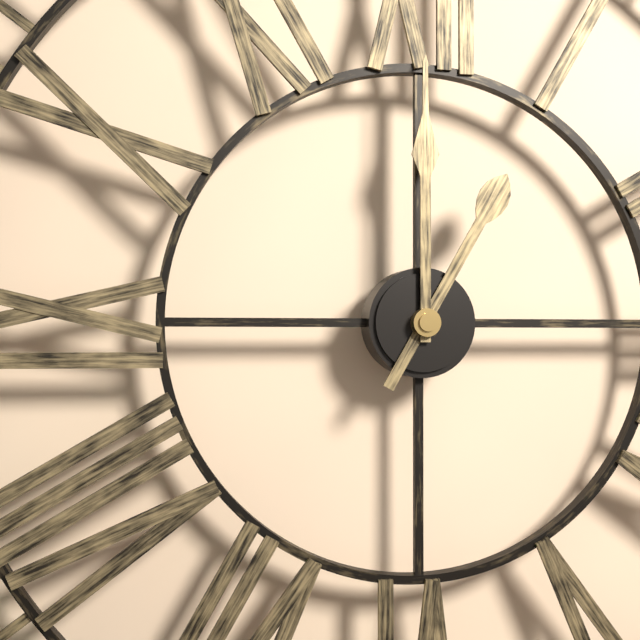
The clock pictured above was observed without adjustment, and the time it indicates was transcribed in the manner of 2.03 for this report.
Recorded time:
1.00
